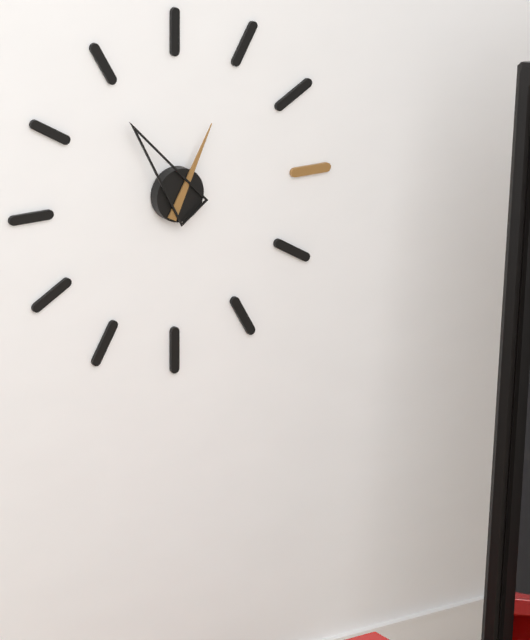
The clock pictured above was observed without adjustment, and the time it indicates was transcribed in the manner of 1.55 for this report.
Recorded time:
12.54
